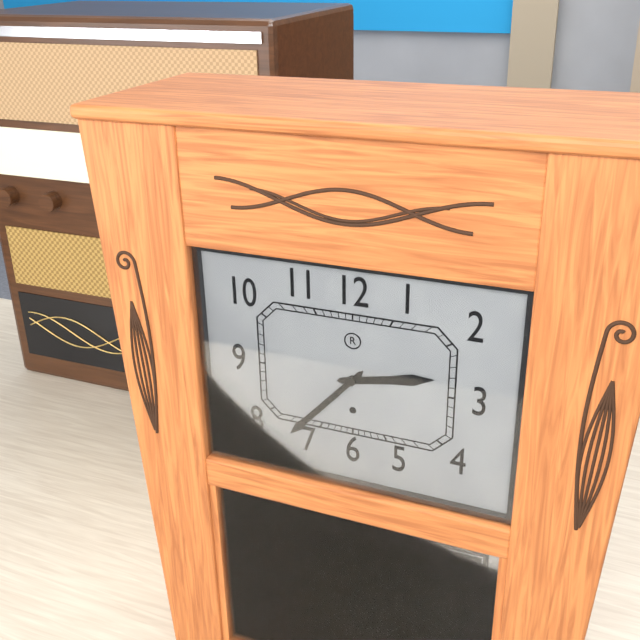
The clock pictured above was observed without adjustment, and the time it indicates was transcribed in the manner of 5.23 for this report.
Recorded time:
2.37
